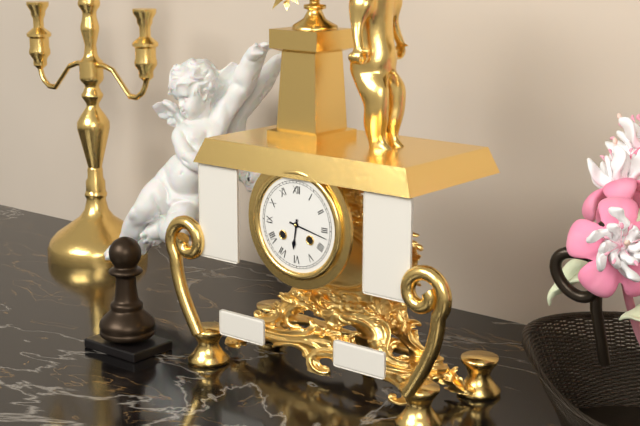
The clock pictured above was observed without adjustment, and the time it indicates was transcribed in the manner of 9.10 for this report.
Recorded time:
6.17
